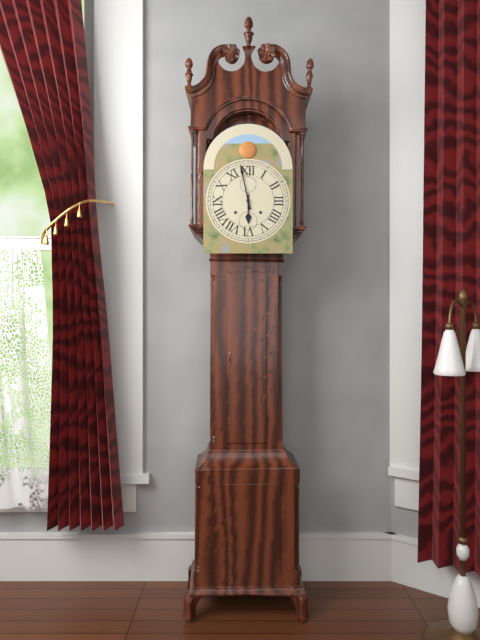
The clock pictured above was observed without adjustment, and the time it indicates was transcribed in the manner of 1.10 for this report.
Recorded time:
5.58
